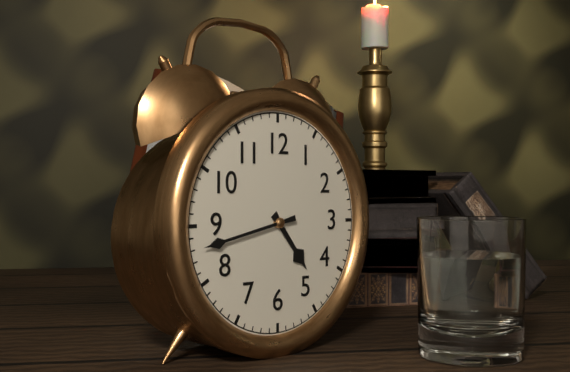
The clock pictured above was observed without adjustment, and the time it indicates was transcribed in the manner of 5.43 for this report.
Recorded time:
4.43
